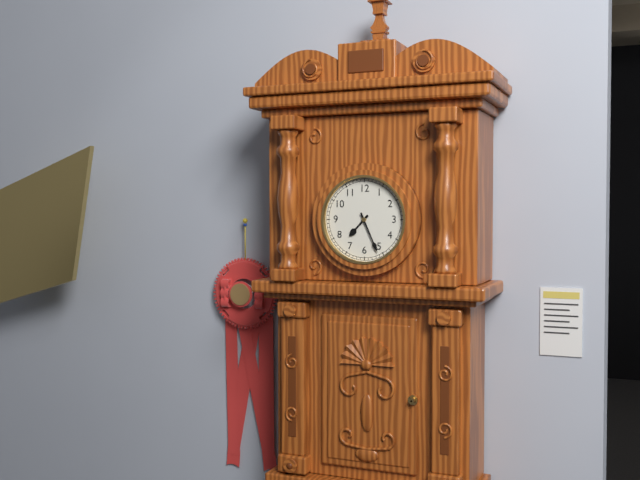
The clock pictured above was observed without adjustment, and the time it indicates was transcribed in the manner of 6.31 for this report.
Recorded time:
7.26
